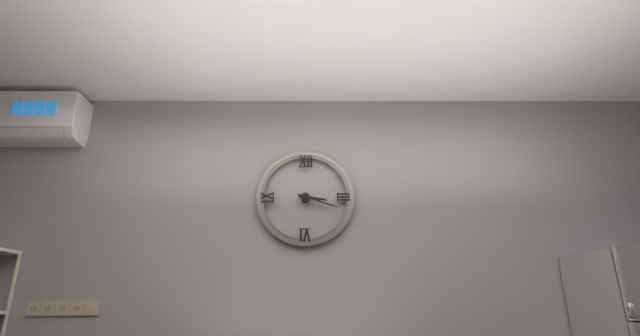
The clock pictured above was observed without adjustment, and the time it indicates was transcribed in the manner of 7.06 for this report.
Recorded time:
3.18
